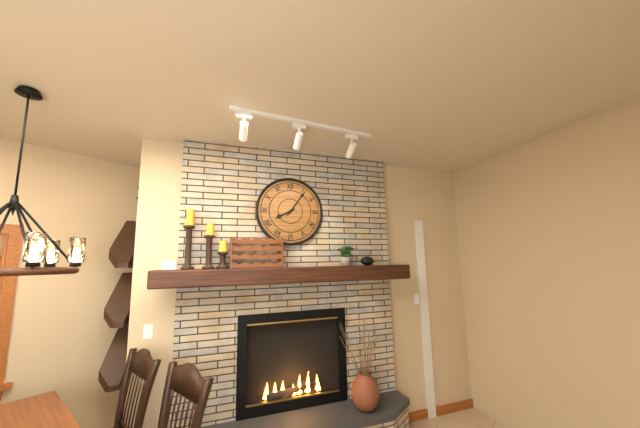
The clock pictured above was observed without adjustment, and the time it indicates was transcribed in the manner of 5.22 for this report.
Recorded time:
8.06
